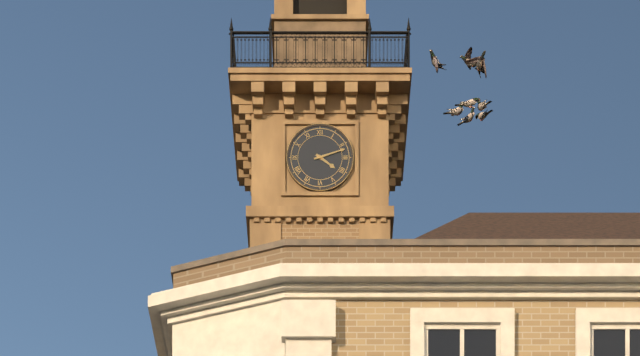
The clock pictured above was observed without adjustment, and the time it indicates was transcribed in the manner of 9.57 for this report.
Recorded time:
4.12
